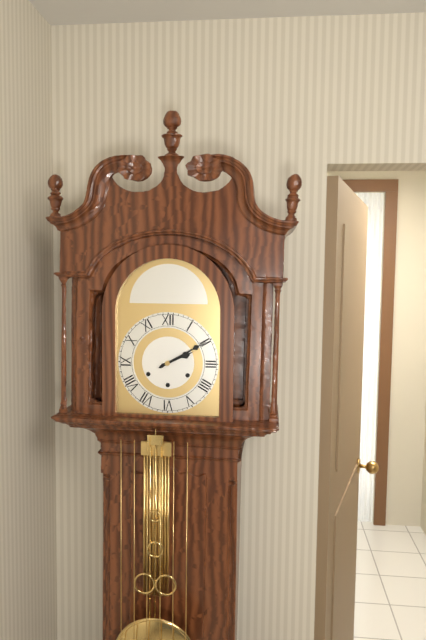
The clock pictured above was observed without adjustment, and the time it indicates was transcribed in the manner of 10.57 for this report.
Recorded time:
2.10
